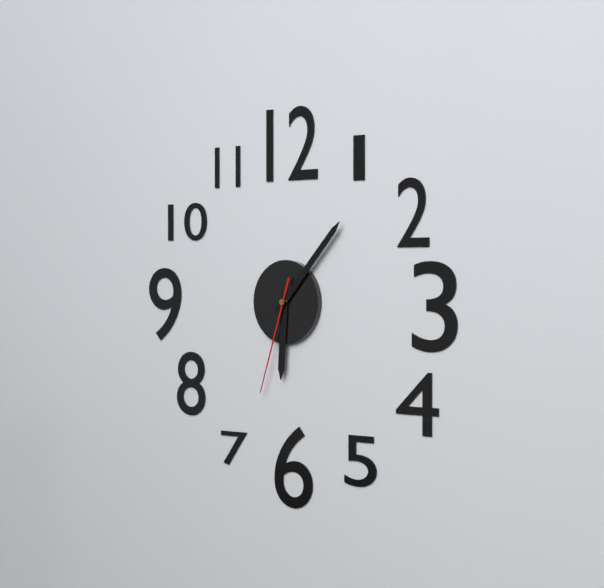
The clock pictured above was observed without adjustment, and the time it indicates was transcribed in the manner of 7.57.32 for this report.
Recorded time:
6.07.33
